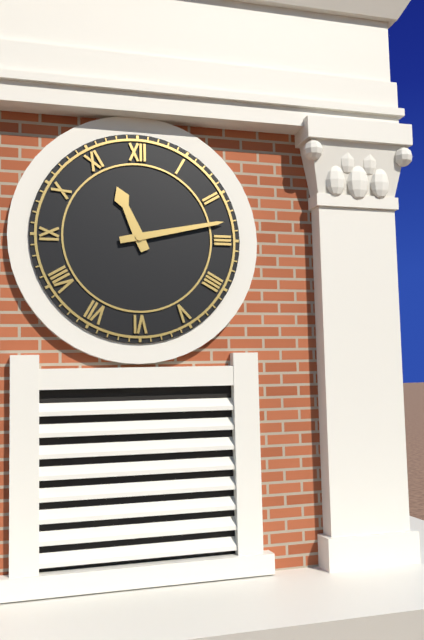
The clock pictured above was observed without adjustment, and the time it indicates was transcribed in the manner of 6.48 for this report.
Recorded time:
11.13
